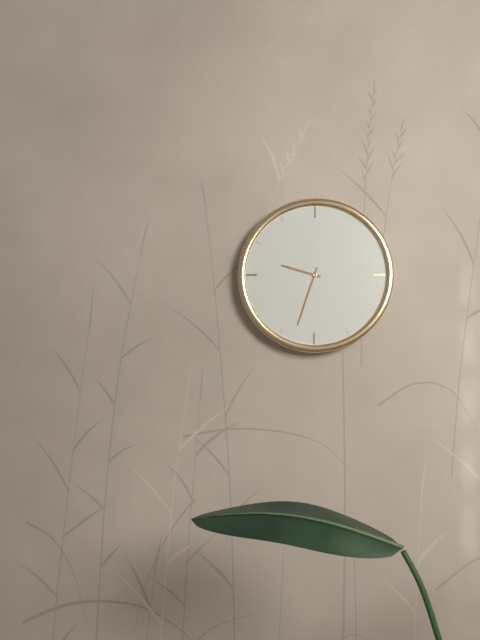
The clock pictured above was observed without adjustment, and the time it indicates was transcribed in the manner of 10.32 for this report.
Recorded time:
9.33
